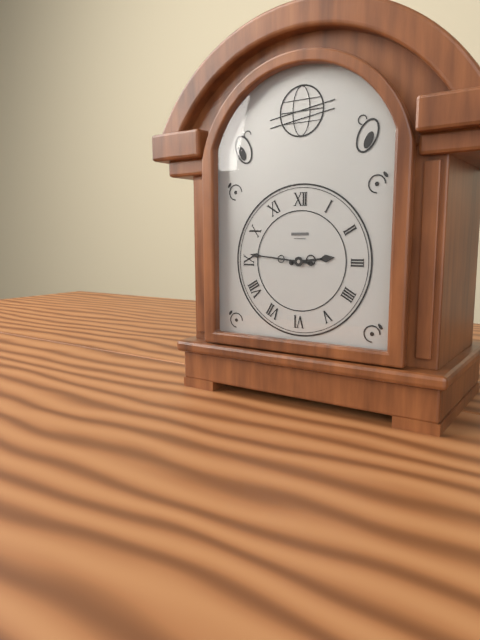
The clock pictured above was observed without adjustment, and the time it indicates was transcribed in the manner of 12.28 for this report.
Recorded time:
2.46
